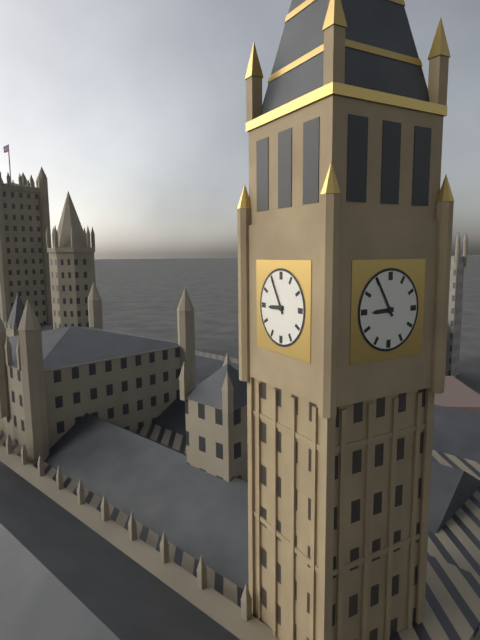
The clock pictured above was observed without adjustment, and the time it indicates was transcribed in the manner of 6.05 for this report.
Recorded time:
8.55
